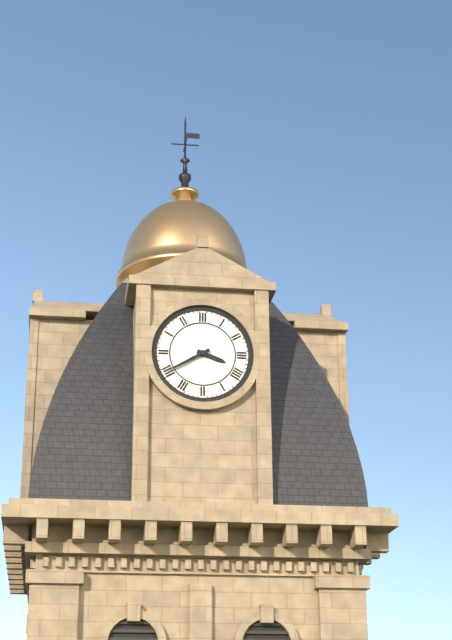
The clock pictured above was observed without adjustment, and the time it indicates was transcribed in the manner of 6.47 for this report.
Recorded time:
3.40
